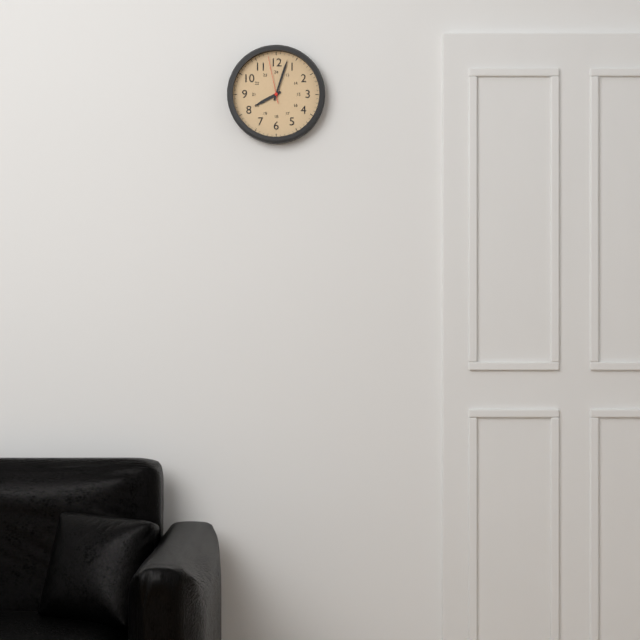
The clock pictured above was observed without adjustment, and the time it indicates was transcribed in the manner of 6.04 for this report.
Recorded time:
8.03
